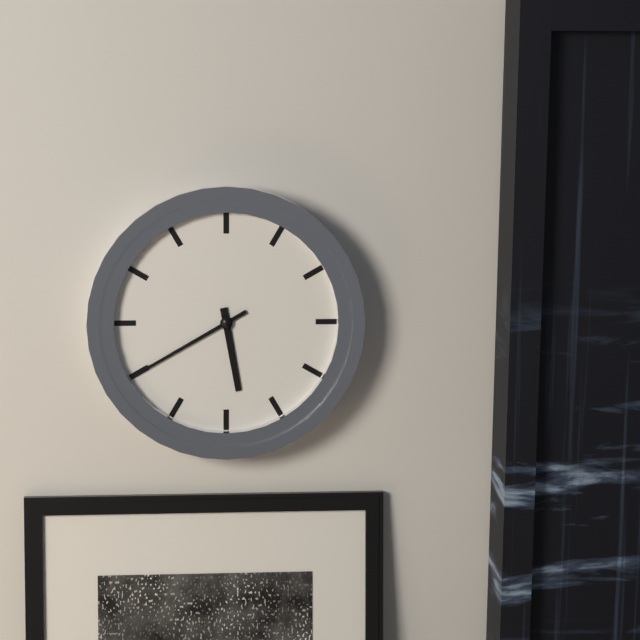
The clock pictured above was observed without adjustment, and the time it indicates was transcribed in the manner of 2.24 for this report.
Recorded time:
5.40
